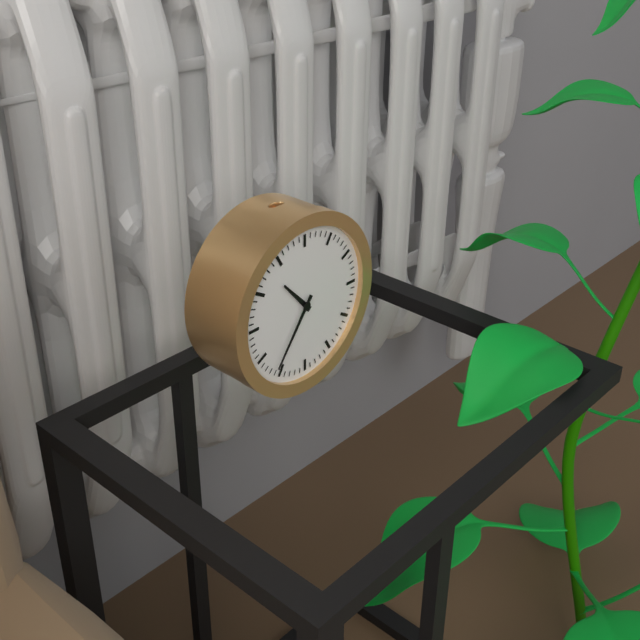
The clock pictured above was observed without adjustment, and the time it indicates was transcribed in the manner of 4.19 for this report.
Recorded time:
10.36
